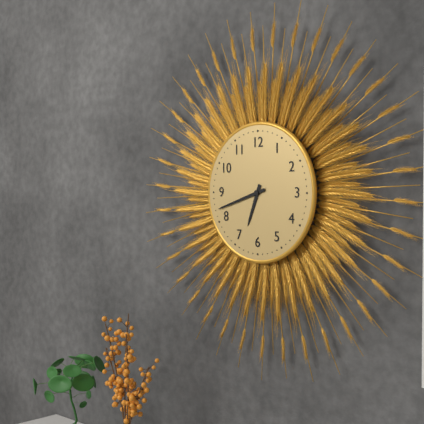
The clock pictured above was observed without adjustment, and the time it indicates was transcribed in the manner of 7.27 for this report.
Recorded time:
6.42
